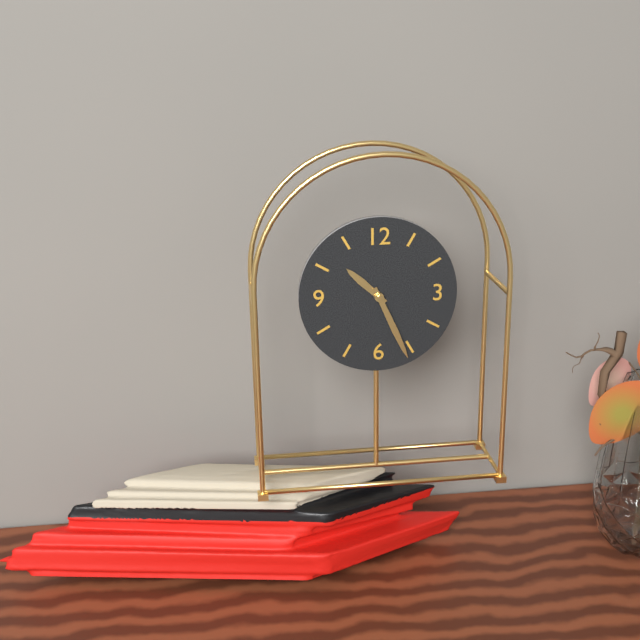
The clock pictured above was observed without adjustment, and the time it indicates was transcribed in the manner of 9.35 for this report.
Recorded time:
10.26
